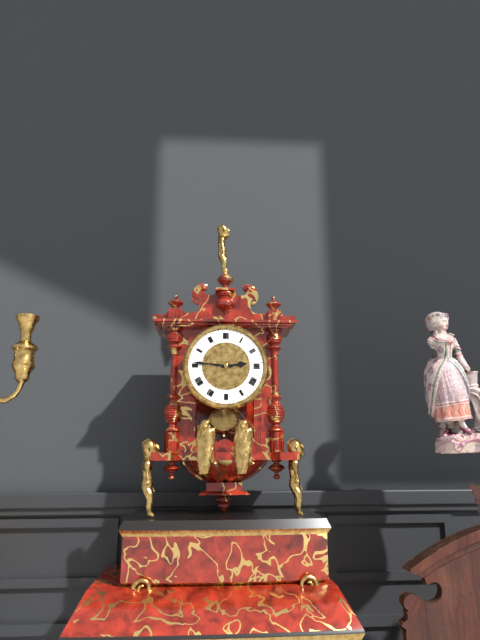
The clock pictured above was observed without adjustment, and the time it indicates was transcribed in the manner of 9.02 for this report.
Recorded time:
2.46
